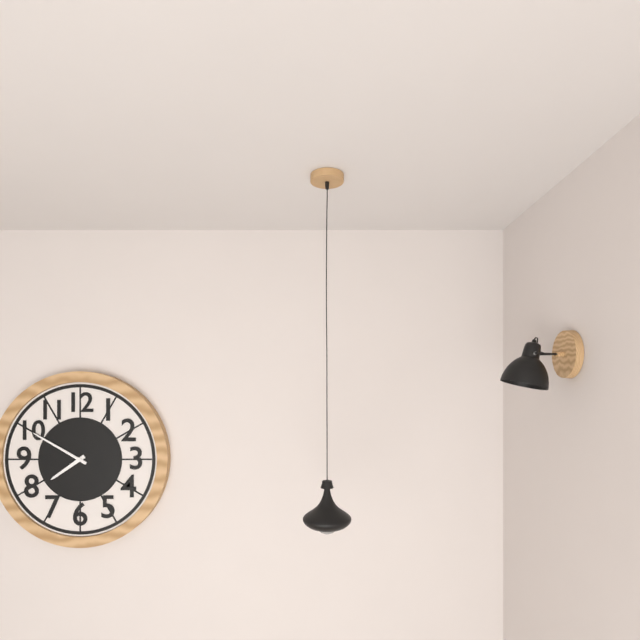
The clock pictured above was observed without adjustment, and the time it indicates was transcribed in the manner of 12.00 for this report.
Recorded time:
7.50
